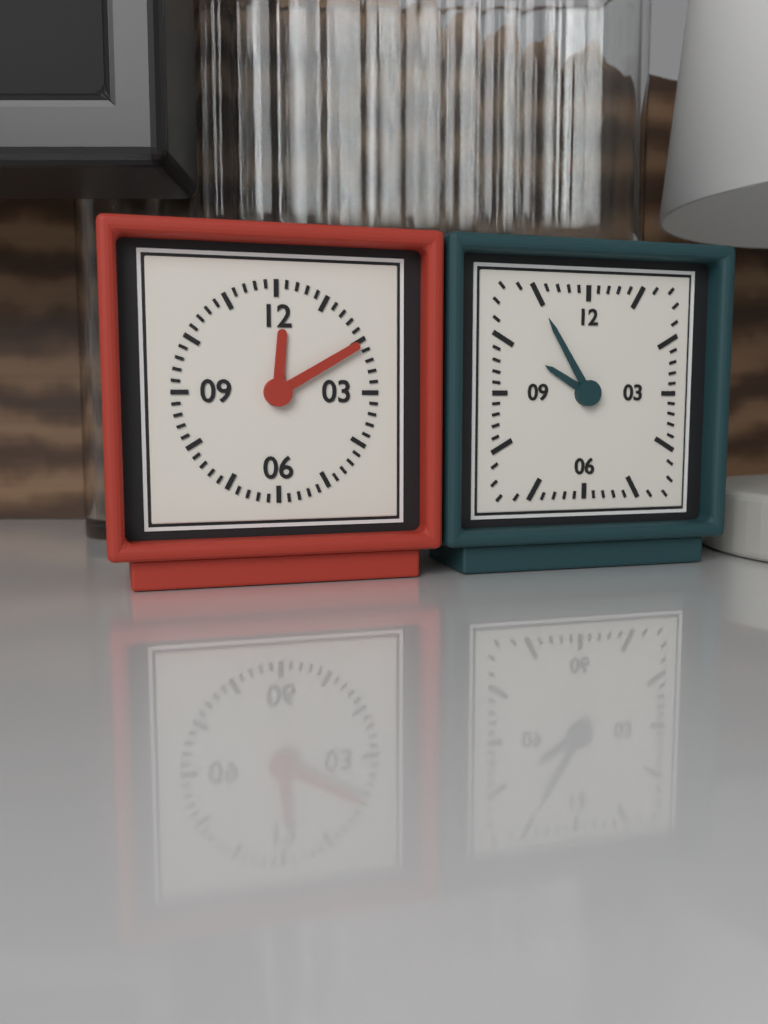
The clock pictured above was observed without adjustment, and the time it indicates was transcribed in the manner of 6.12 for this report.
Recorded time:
12.10
